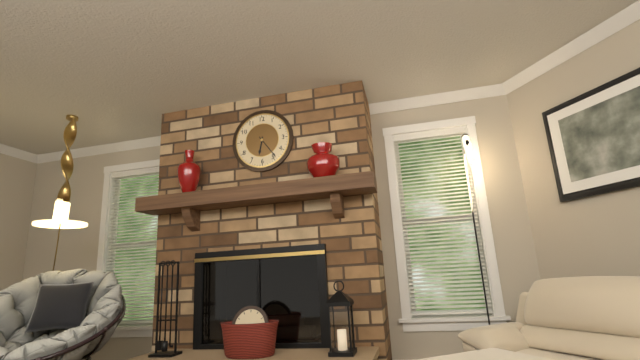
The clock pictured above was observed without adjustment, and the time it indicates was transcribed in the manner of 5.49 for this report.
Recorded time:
6.24
